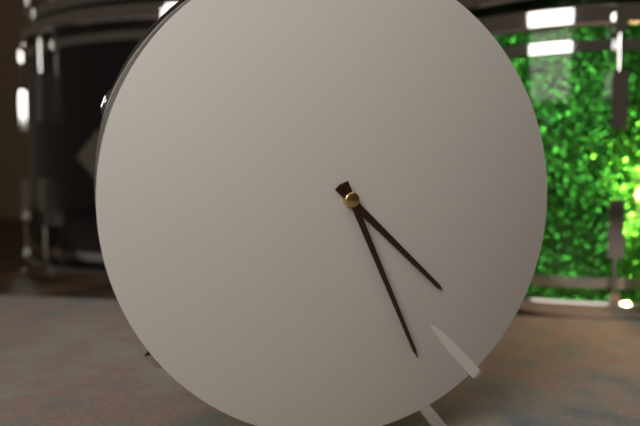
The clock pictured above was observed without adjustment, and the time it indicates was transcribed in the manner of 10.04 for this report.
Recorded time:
4.26
